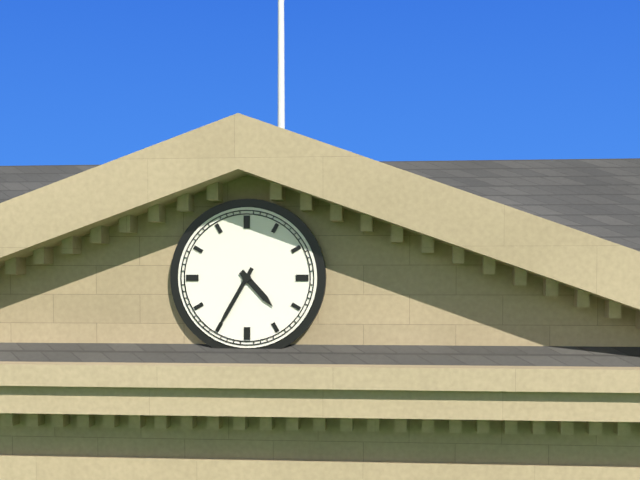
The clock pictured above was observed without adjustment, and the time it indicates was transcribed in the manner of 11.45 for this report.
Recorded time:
4.35
